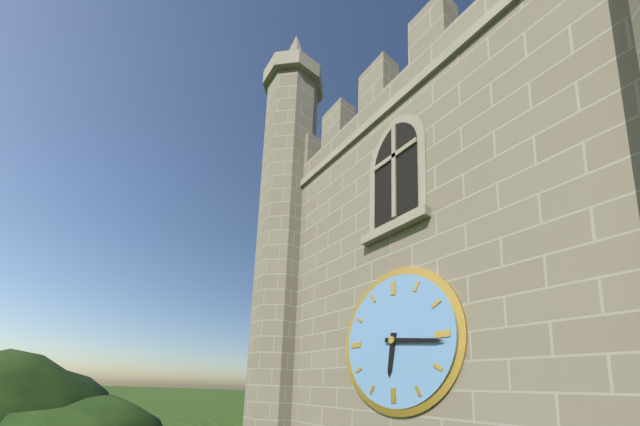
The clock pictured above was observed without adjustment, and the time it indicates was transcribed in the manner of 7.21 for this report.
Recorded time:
6.16
